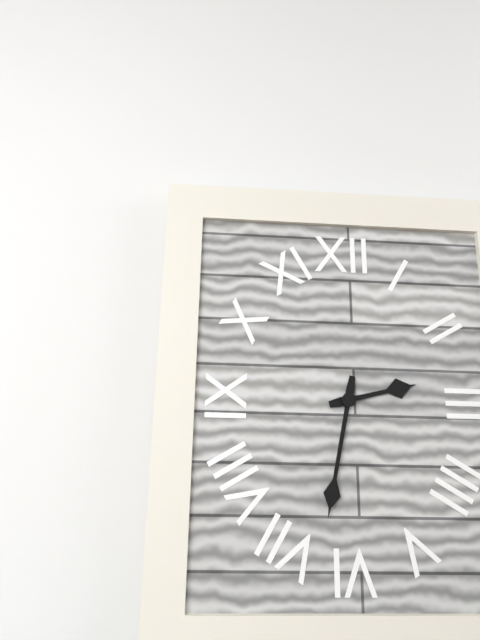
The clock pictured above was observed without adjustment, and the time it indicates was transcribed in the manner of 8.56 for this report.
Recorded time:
2.32
